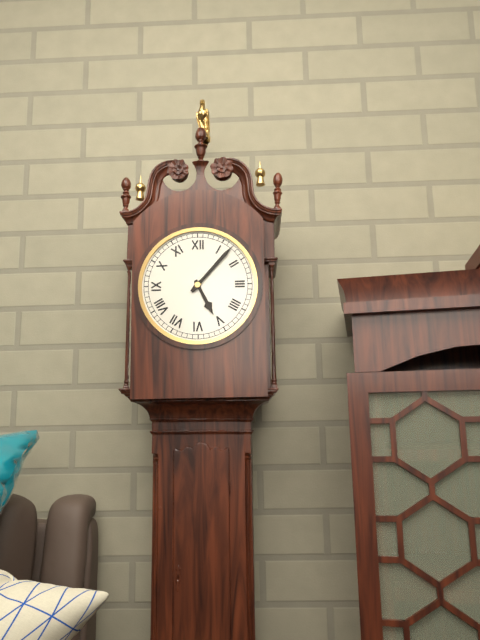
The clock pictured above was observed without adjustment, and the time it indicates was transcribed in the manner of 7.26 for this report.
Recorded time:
5.07
